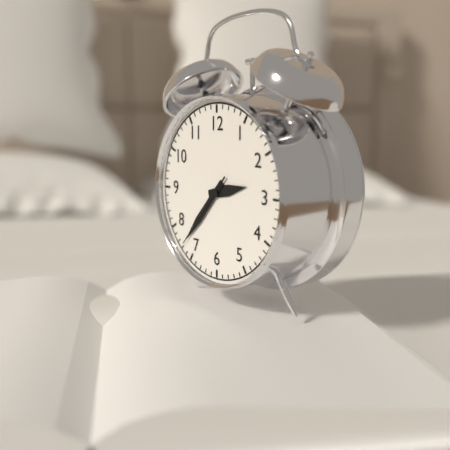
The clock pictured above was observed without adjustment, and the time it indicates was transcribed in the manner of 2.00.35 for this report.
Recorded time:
2.37.37
